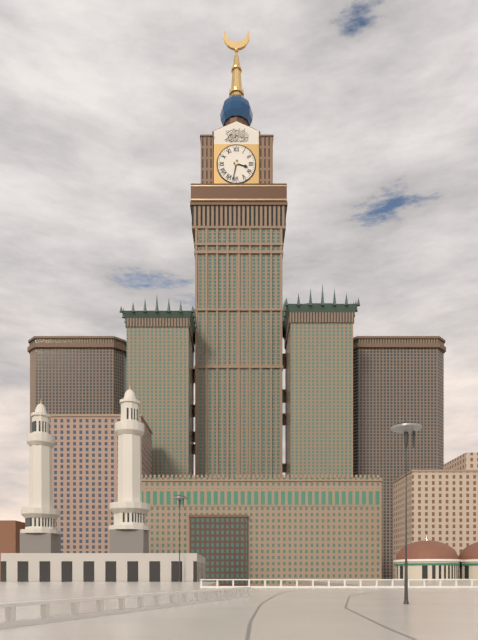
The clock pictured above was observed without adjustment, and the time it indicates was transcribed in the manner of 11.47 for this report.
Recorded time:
3.32
